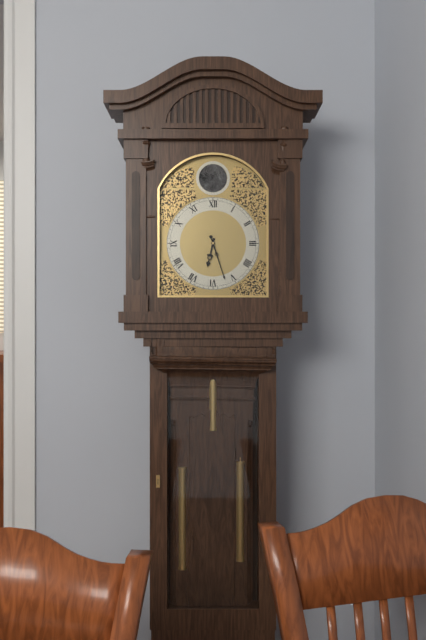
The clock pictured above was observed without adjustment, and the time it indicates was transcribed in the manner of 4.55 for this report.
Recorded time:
6.27
